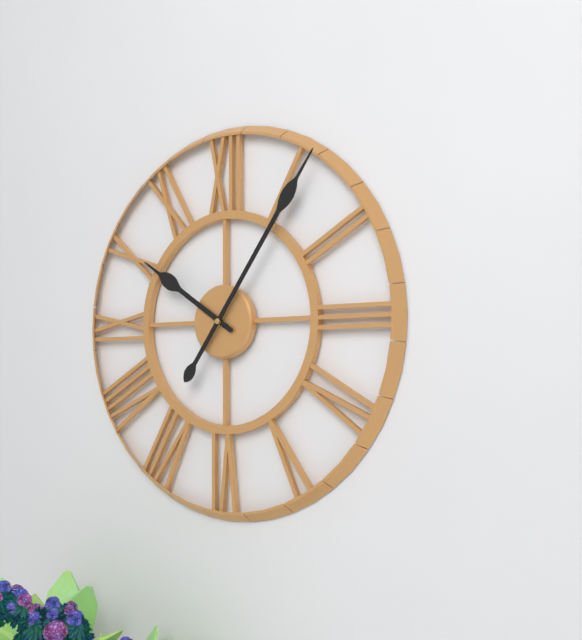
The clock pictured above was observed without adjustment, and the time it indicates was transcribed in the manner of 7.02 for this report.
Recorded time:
10.06
